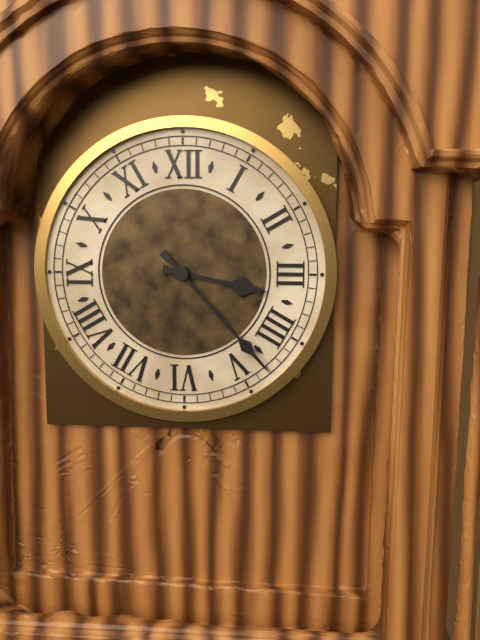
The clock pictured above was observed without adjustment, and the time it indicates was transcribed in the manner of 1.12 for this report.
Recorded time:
3.23
